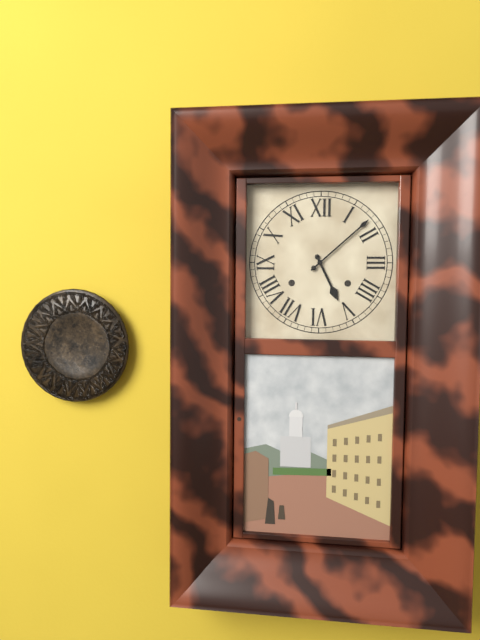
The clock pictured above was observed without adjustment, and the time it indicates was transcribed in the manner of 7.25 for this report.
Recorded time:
5.08
